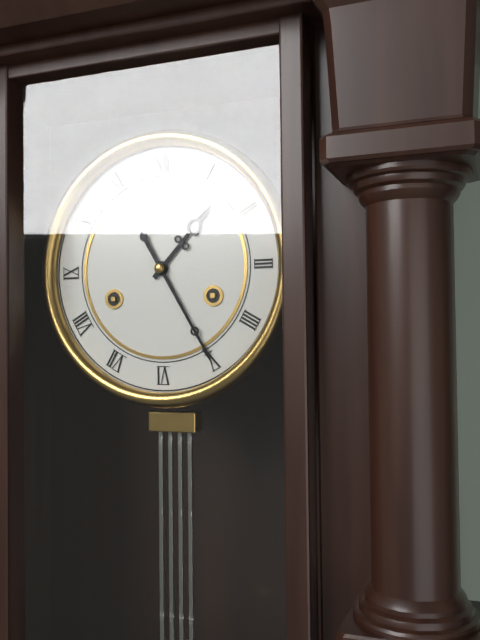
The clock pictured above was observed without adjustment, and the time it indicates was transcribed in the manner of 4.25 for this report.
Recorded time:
1.25
